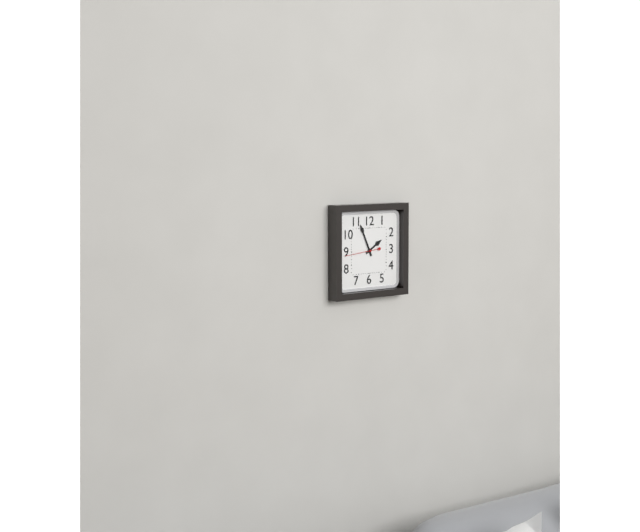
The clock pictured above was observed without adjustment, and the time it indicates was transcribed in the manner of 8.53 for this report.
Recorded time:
1.56
